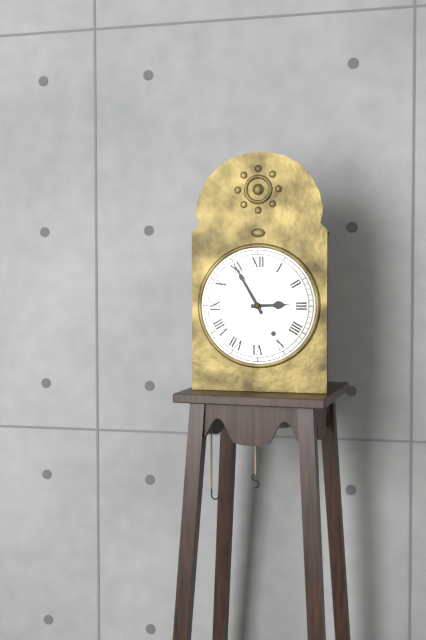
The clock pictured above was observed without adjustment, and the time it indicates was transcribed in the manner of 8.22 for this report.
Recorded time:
2.55
